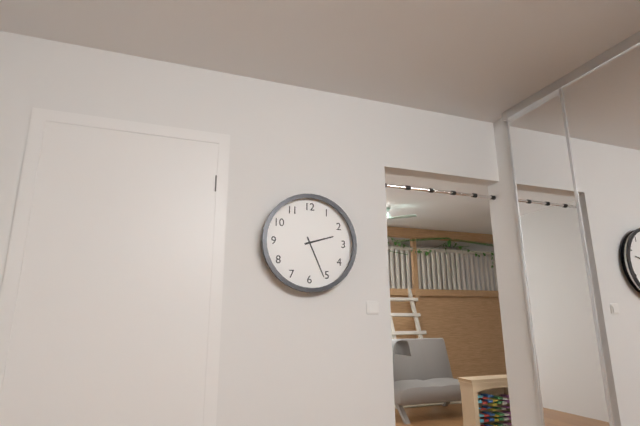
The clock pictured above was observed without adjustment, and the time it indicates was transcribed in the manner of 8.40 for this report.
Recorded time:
2.26
